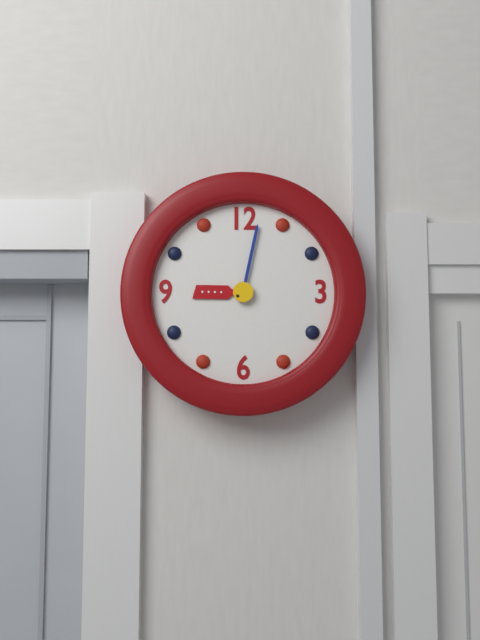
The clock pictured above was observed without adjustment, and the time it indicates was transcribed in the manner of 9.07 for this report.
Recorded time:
9.02
